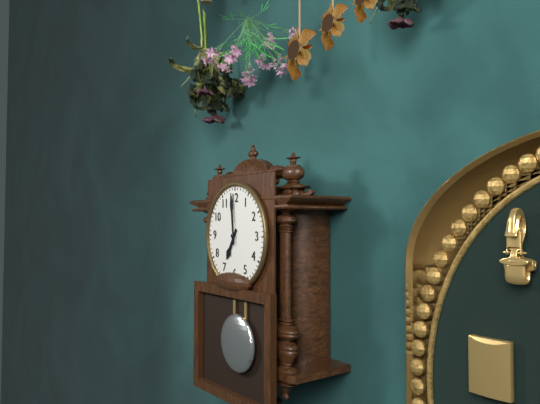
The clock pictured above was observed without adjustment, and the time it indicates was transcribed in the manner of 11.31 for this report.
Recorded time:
6.59
